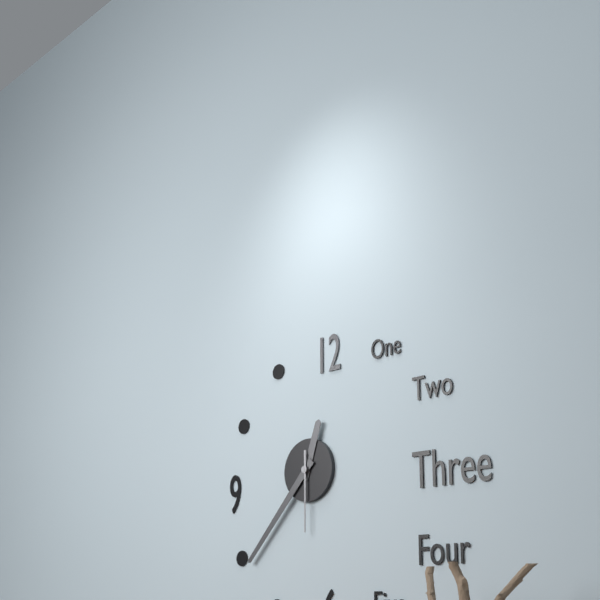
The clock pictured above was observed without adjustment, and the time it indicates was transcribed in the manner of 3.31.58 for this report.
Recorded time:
12.37.30
